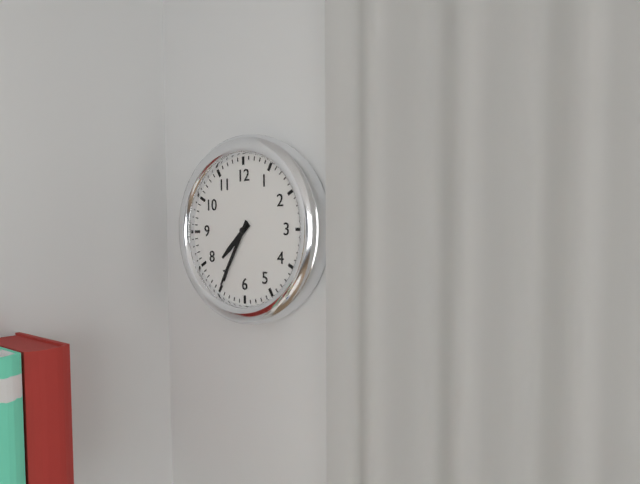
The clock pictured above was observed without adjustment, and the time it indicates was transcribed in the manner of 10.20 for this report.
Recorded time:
7.35
